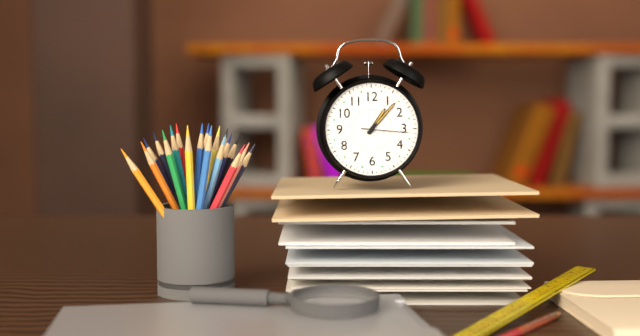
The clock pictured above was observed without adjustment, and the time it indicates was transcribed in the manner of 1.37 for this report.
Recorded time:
1.07
